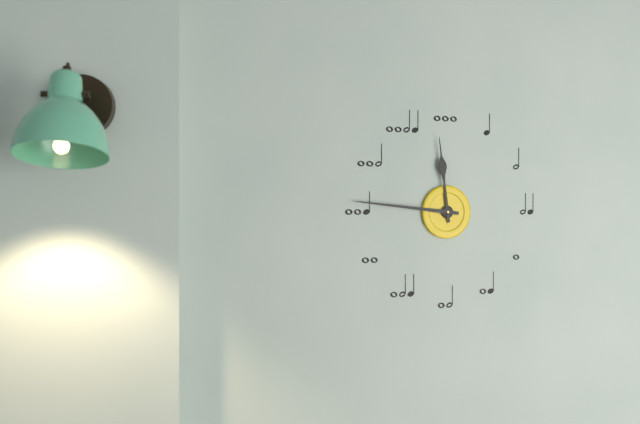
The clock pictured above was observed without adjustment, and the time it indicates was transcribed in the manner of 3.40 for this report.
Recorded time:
11.46
